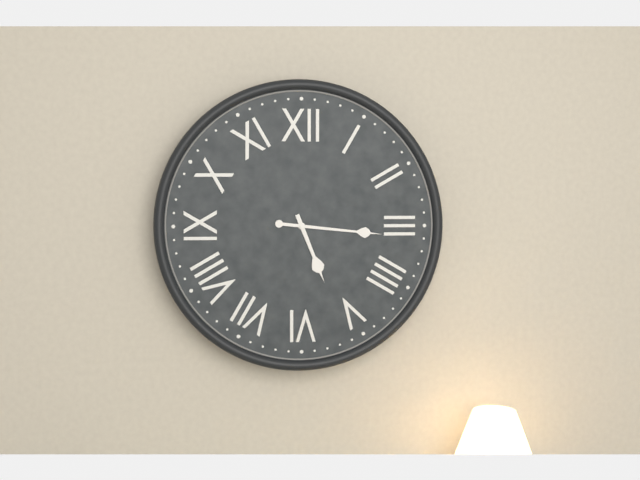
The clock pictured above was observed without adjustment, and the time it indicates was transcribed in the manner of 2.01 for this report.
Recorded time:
5.16
